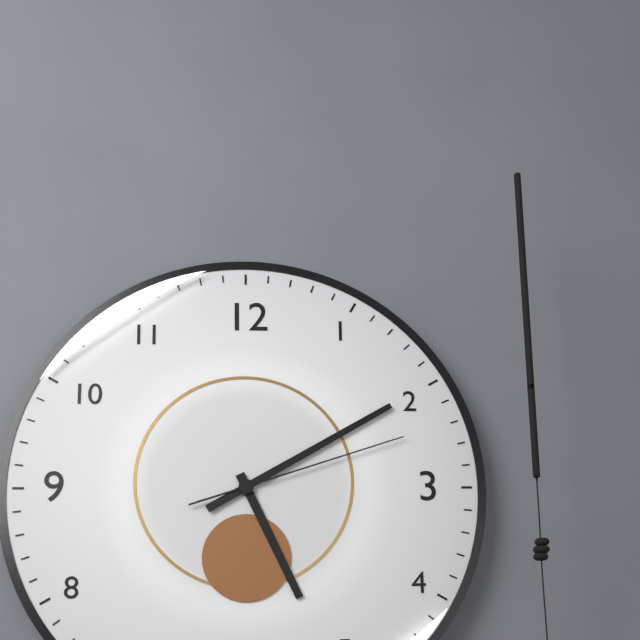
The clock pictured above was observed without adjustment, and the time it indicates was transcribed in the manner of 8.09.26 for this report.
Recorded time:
5.10.12
